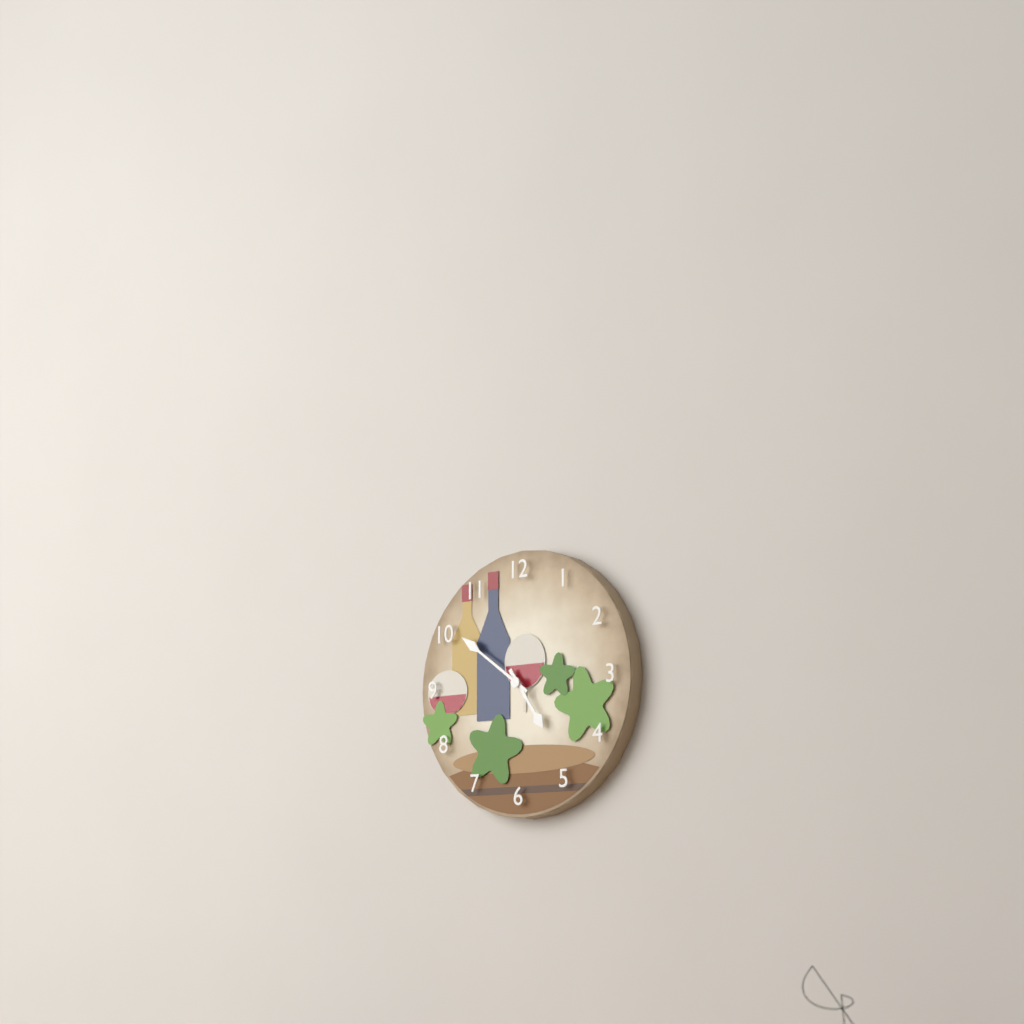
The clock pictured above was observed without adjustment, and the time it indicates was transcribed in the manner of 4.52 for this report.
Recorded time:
4.51
